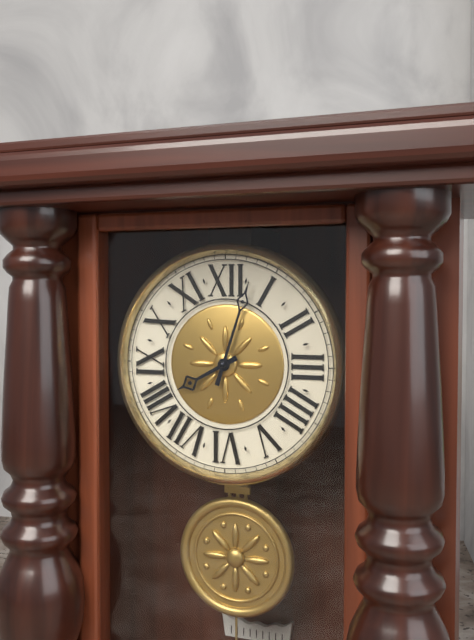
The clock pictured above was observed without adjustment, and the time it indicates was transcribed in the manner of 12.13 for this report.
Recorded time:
8.03
